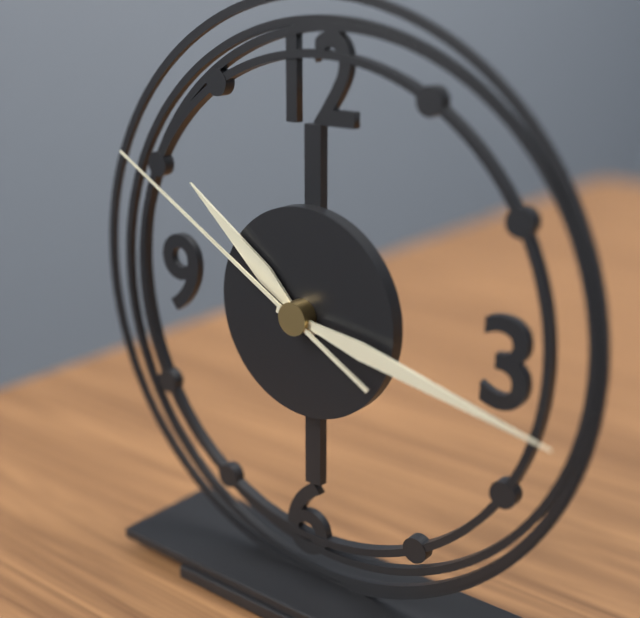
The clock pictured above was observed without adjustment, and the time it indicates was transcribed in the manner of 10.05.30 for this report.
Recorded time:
10.17.50
